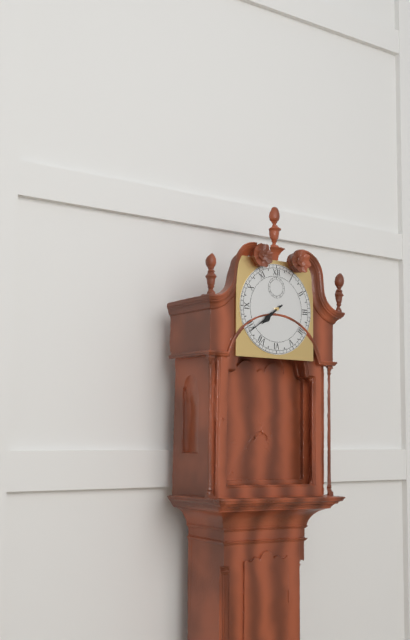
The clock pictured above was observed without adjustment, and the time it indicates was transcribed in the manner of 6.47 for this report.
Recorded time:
7.39
